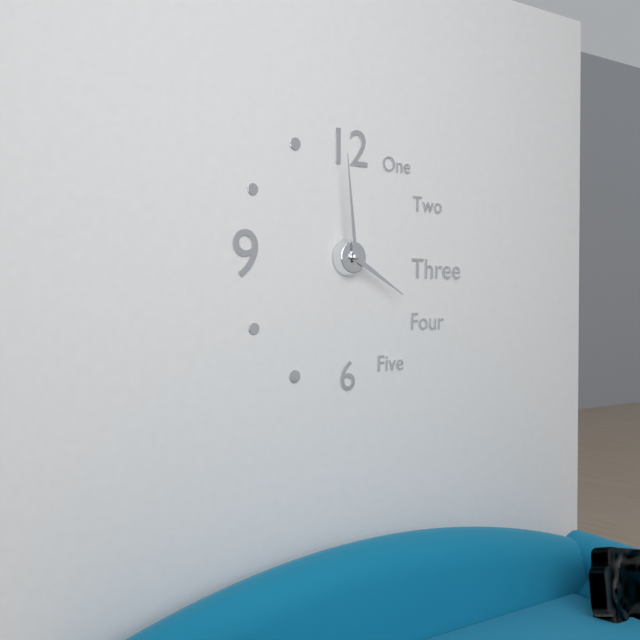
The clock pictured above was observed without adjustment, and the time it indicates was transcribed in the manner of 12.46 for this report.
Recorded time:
3.59
